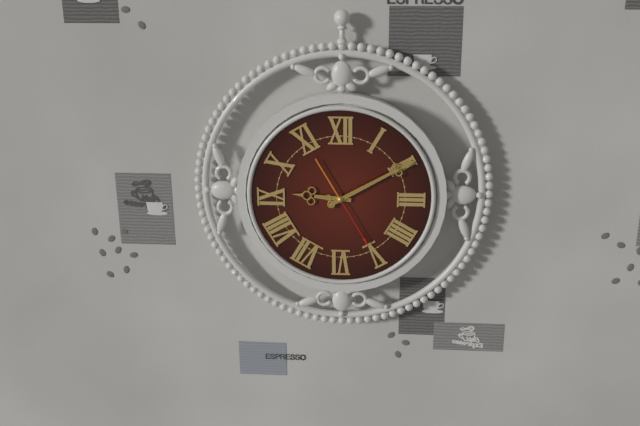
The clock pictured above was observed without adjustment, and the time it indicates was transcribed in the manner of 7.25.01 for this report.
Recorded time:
9.10.25
